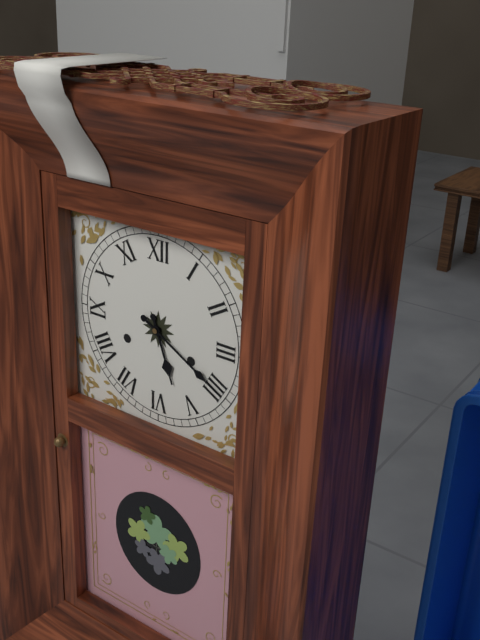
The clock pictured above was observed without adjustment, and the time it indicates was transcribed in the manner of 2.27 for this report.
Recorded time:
5.20
